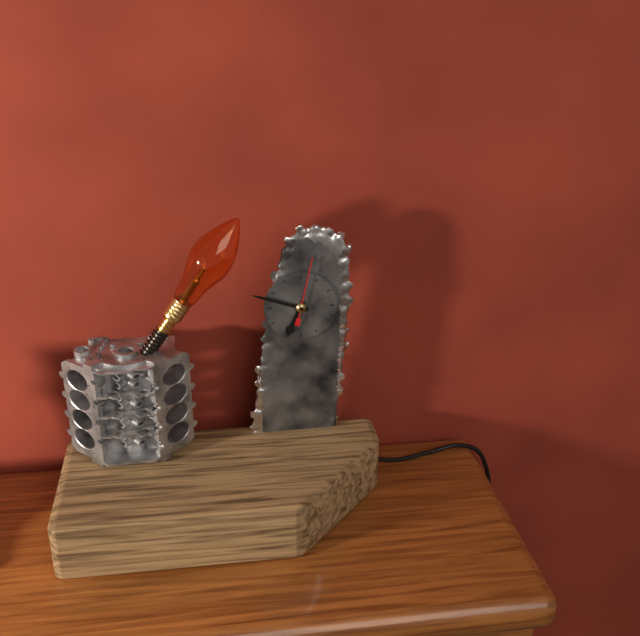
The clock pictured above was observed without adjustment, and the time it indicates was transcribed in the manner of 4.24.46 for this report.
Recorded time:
6.48.02
